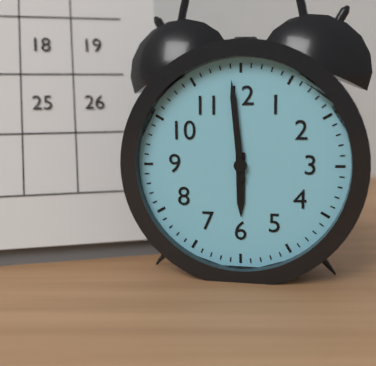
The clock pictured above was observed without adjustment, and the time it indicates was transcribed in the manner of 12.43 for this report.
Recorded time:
5.59
